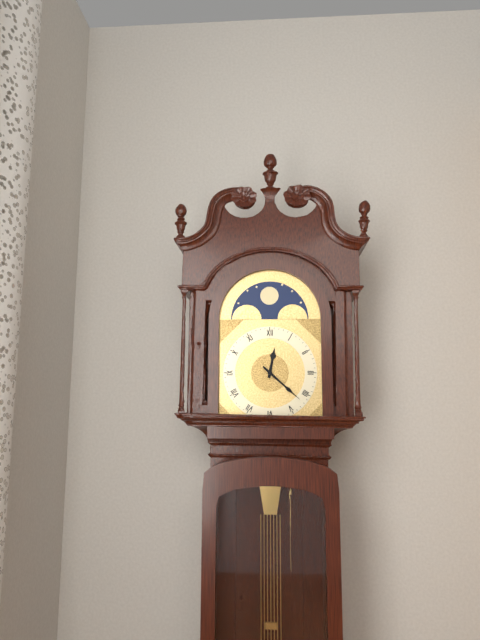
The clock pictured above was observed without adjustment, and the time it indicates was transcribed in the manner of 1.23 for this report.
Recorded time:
12.22
